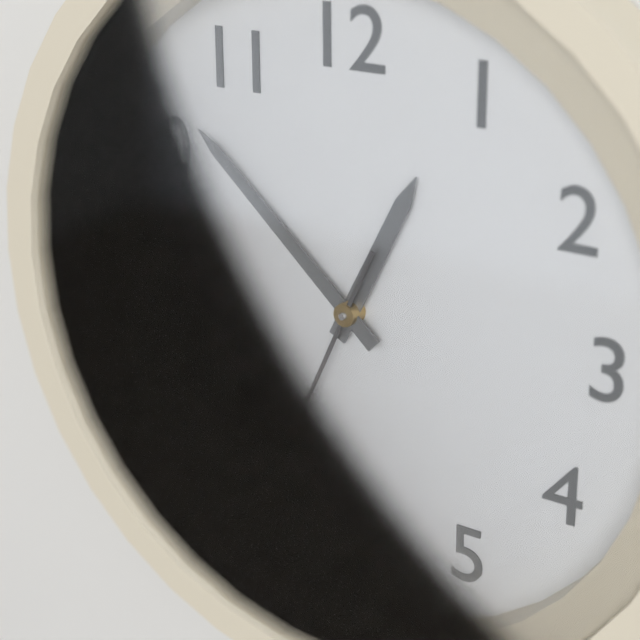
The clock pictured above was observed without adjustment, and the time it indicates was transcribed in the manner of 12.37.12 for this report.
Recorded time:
12.52.34
